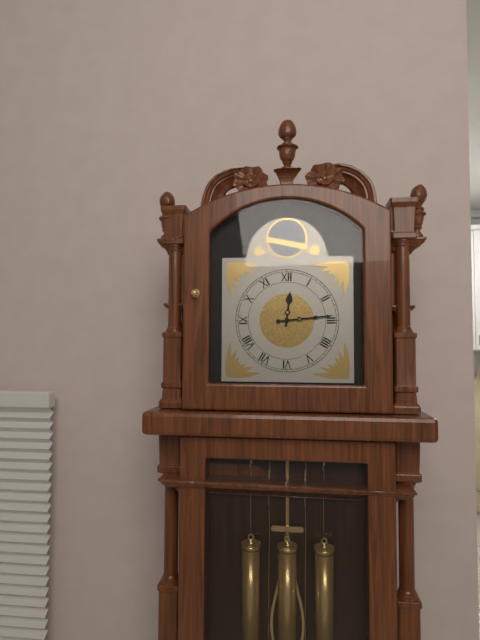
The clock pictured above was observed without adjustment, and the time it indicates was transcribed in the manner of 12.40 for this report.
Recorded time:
12.14
